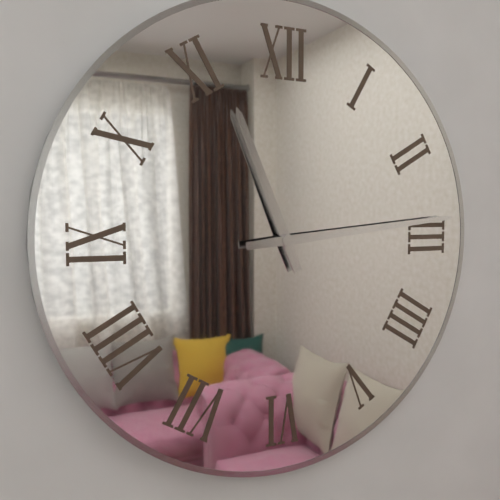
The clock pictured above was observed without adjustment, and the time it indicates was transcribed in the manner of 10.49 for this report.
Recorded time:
11.14
